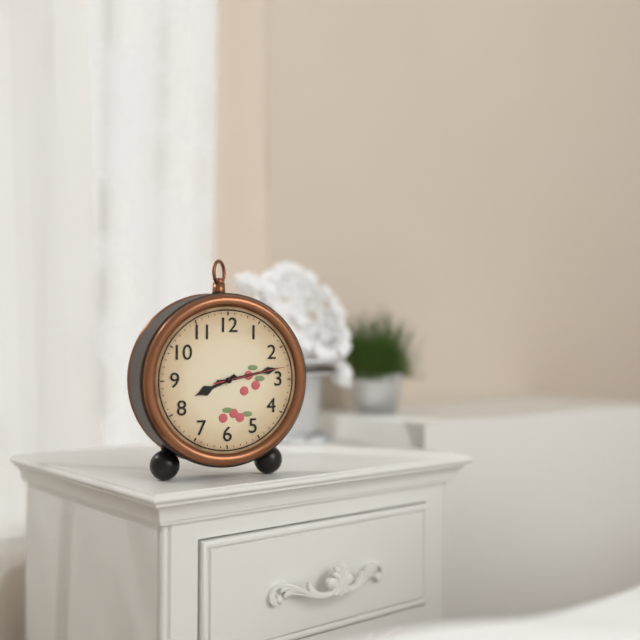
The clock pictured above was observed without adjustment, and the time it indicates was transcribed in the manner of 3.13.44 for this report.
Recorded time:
8.13.13
